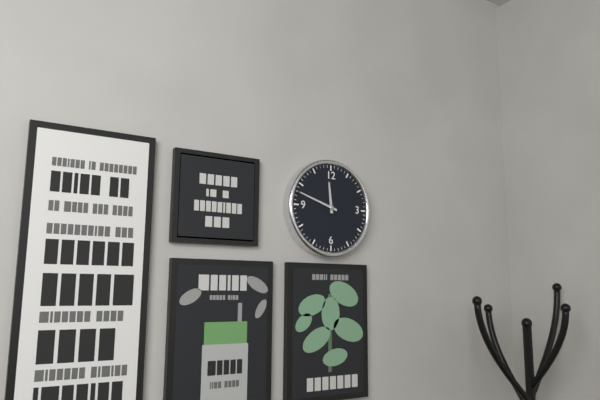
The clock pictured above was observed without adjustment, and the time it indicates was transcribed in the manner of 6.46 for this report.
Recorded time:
11.48
